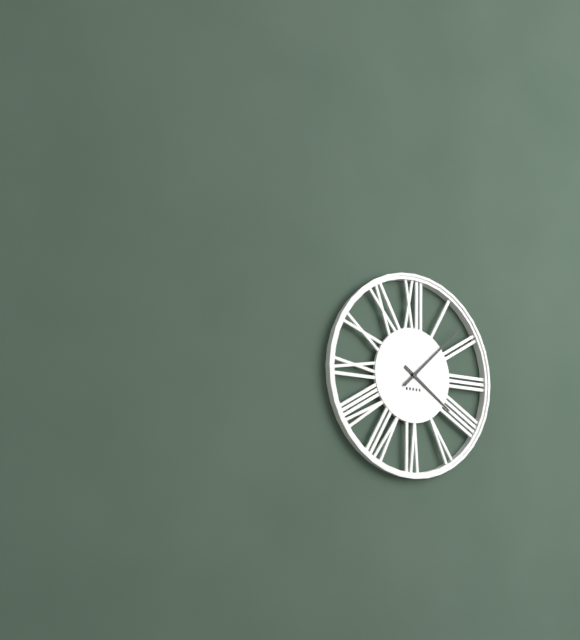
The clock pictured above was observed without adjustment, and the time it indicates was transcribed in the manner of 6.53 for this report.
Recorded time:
4.08
